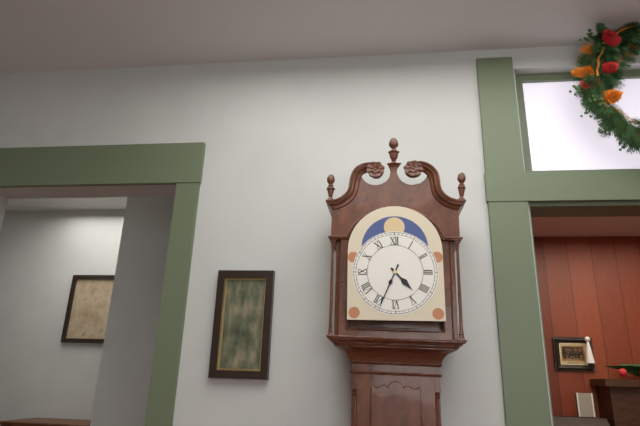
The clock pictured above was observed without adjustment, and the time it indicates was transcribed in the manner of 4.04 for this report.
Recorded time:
4.34
